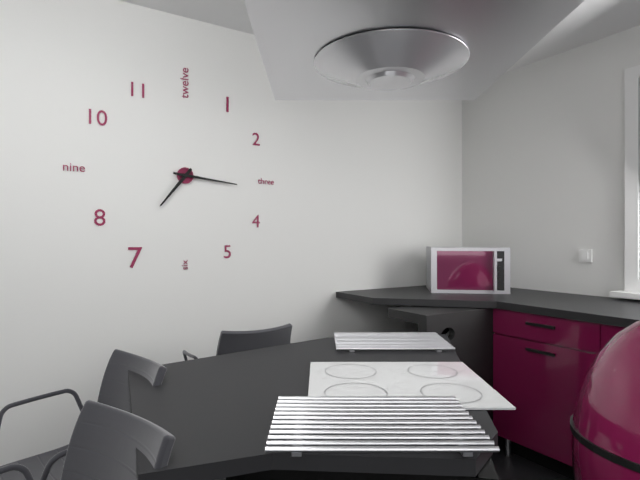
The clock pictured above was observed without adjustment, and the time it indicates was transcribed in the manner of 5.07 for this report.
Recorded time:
7.16
